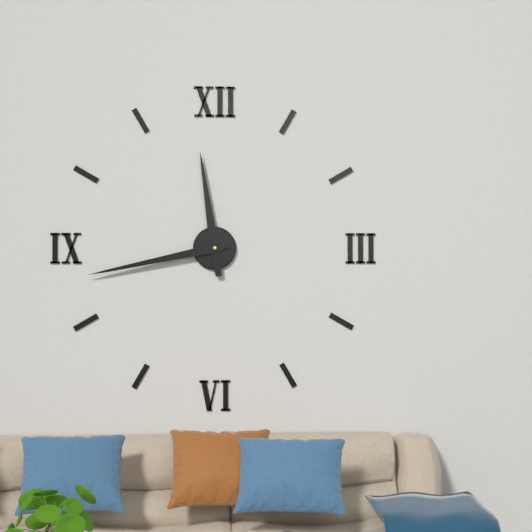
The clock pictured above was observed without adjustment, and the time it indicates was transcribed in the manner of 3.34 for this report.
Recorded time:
11.43
